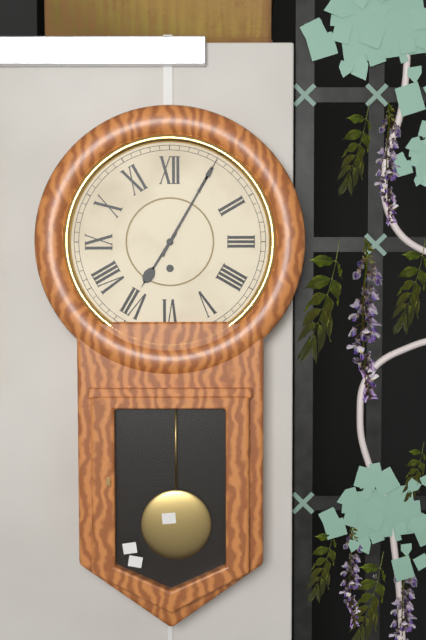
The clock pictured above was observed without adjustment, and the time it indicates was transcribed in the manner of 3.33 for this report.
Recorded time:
7.05
